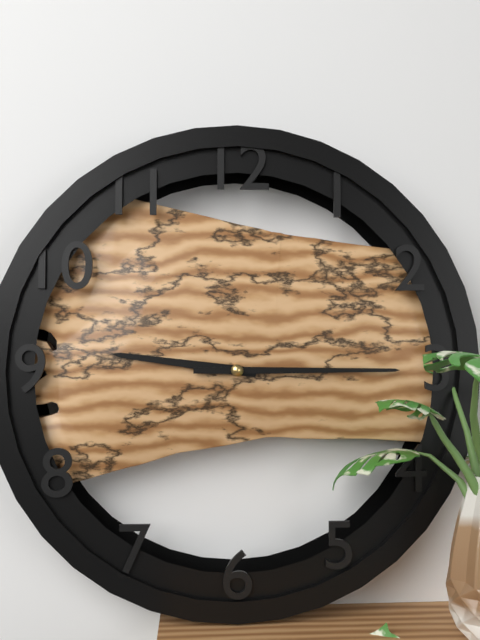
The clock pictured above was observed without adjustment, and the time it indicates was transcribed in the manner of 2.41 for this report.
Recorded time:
9.15
